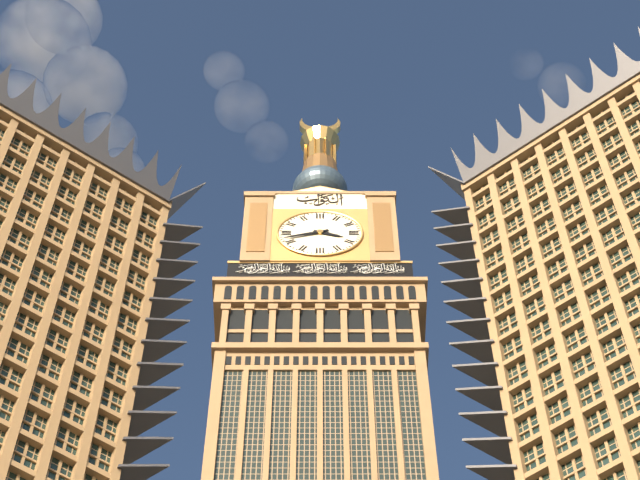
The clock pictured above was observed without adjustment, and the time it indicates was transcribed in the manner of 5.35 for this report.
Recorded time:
3.42
